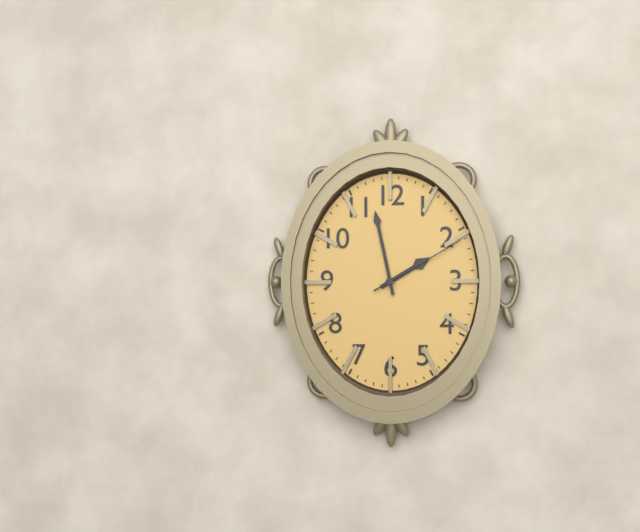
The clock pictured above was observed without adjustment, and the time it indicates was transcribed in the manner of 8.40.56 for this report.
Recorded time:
1.58.10
